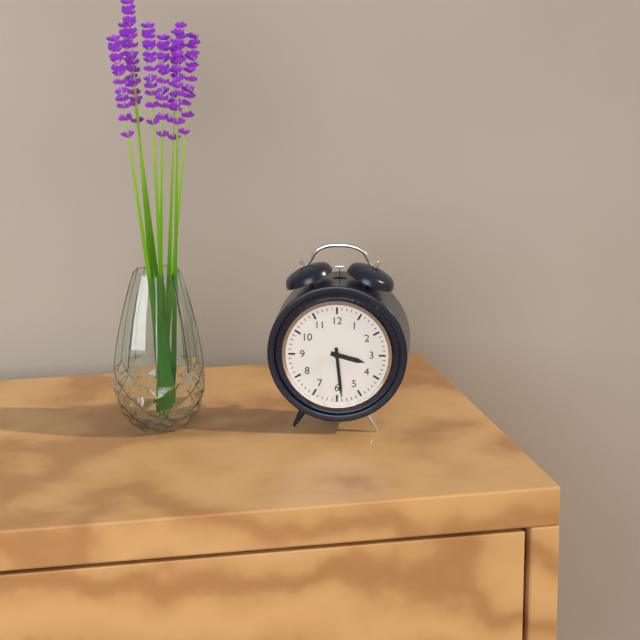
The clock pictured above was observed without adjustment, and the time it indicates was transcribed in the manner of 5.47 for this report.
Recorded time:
3.29
